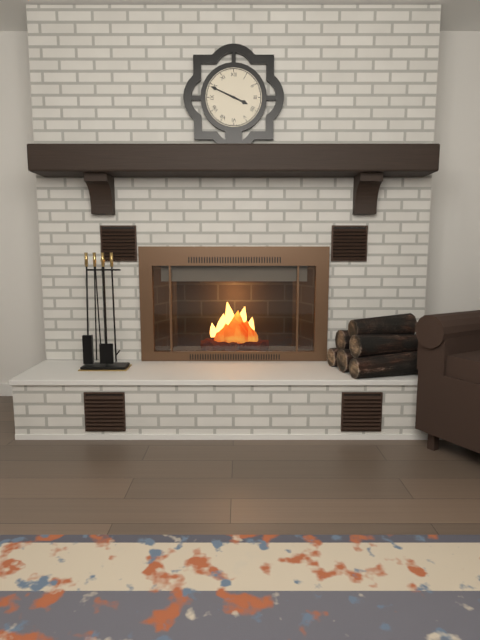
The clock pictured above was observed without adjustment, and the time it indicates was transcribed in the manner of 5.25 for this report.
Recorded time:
3.49
